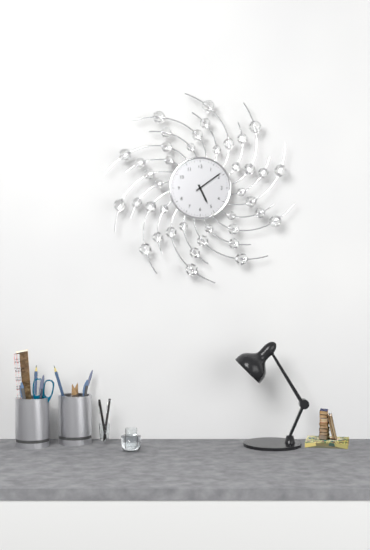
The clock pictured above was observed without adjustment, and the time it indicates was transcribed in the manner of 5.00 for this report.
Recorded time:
5.09
